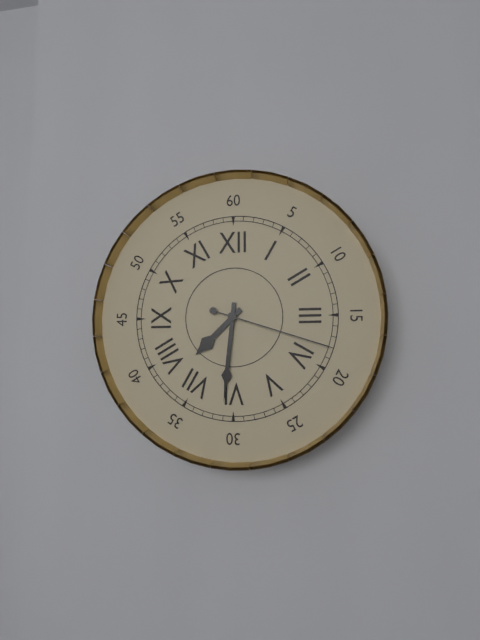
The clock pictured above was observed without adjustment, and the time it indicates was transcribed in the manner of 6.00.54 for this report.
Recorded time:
7.31.18
